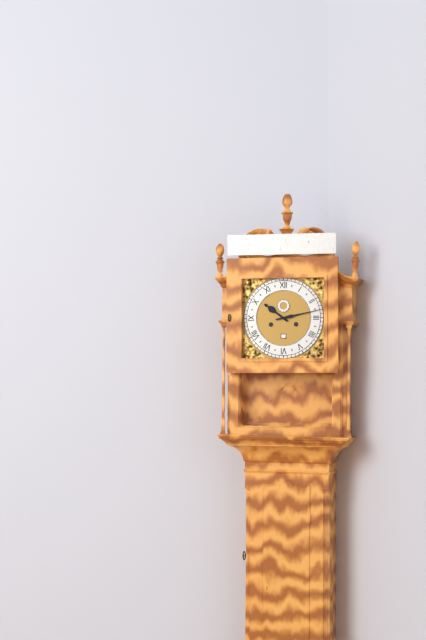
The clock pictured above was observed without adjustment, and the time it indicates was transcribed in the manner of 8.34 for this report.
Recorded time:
10.13
